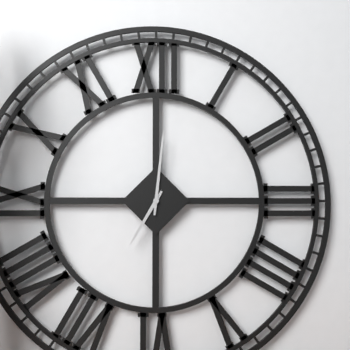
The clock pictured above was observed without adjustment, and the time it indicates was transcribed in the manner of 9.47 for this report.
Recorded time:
7.01
